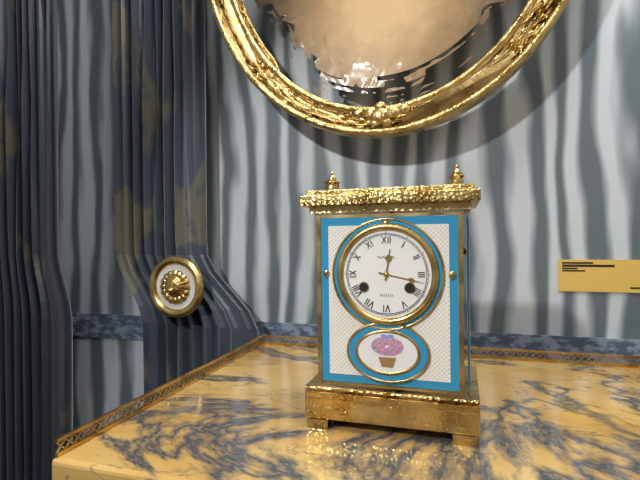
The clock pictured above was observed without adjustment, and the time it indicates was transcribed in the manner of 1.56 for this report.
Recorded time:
12.17
